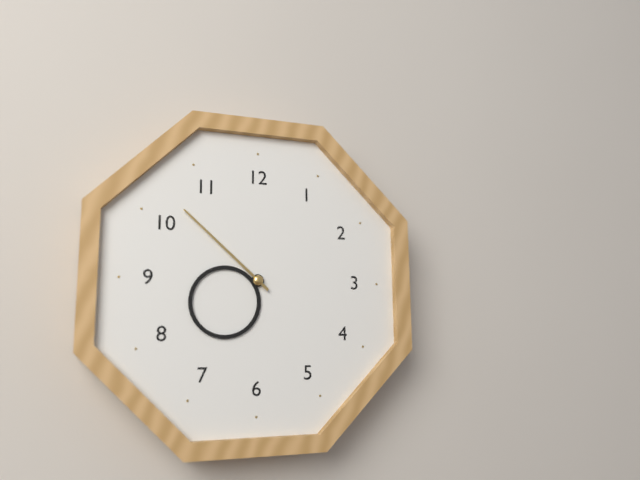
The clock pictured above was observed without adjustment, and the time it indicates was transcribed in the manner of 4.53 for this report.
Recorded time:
7.52
